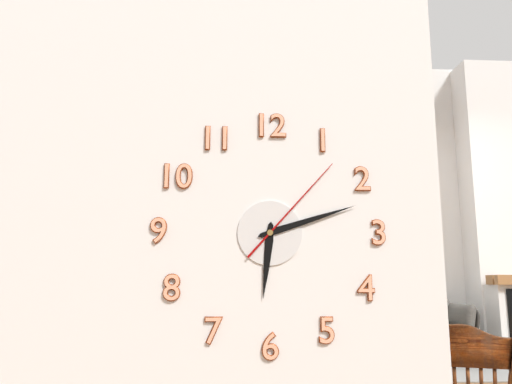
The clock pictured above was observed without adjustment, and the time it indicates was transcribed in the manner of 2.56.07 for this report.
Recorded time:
6.12.07
